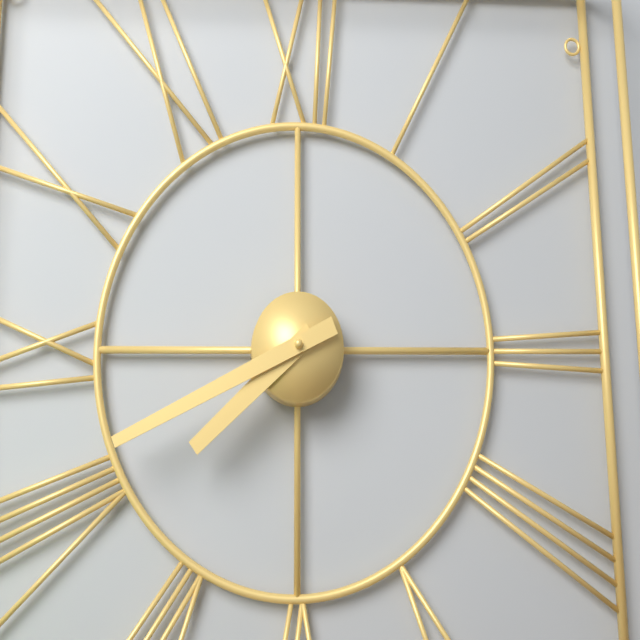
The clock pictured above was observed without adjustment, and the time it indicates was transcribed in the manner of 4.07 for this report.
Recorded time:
7.41
